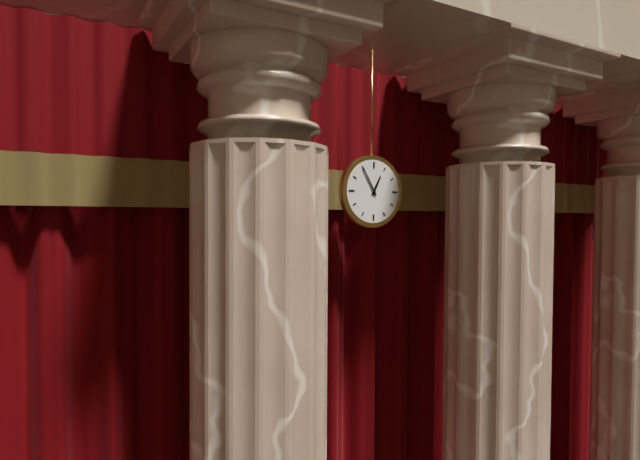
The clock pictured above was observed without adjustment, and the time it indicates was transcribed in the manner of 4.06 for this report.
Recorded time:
12.55
